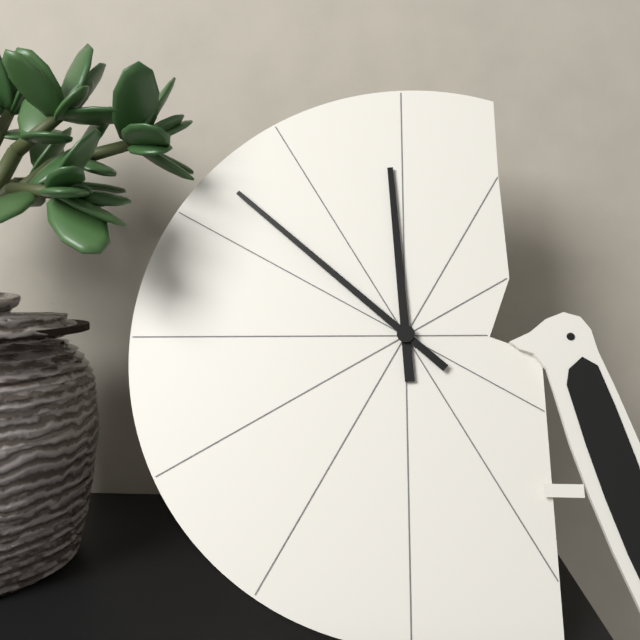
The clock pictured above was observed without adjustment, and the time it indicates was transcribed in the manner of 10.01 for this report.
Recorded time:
11.52
